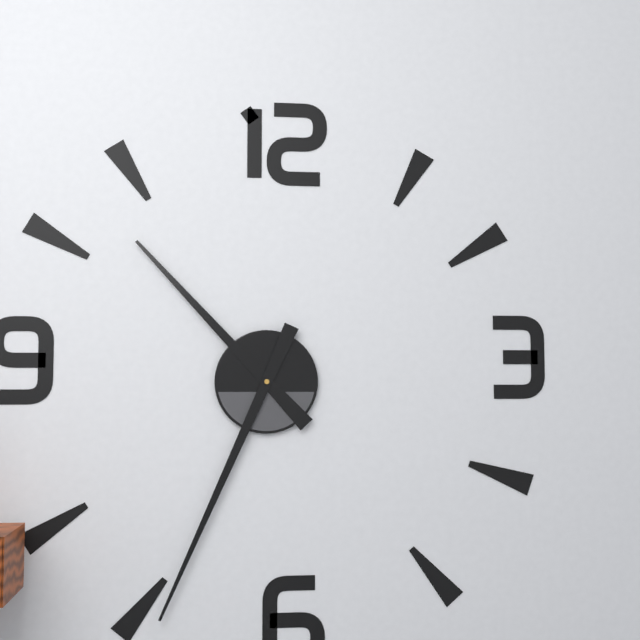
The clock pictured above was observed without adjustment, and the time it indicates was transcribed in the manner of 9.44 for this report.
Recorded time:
10.34
